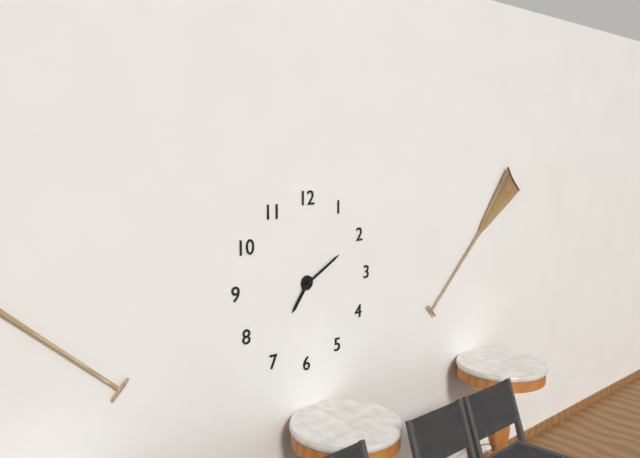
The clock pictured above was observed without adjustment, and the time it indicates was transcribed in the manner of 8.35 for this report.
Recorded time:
7.10
